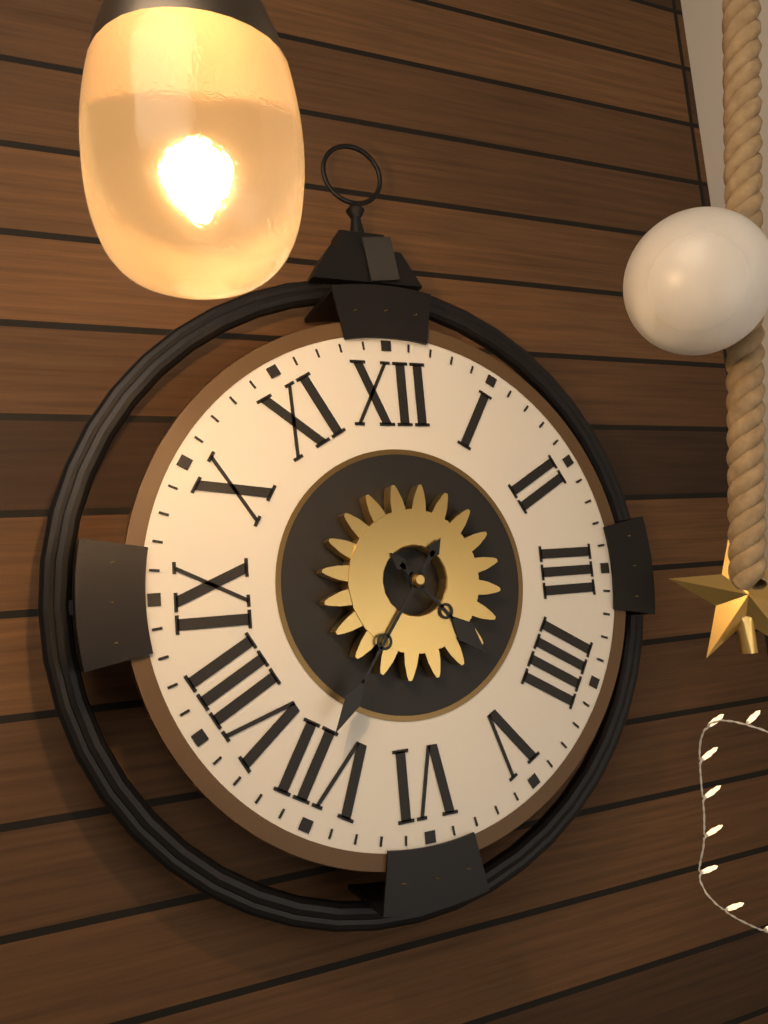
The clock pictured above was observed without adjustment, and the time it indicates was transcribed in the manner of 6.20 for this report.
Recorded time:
4.36
